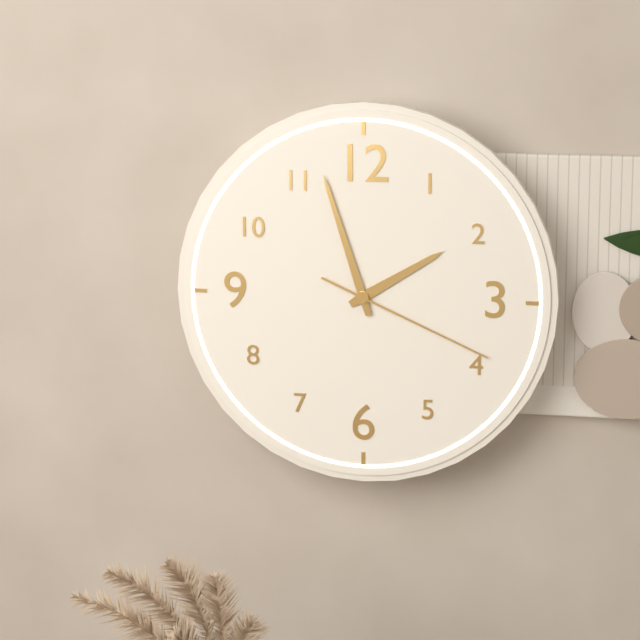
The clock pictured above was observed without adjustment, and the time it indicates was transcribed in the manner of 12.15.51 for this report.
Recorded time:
1.57.19
